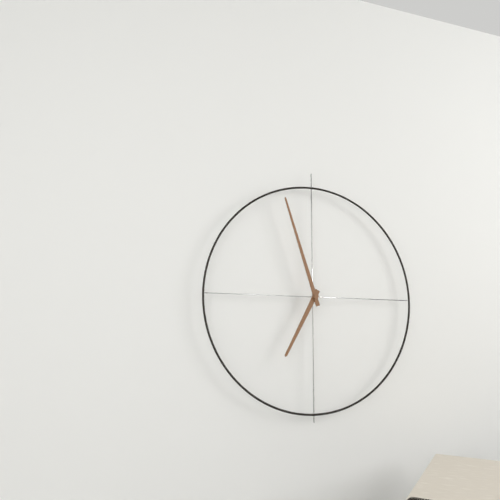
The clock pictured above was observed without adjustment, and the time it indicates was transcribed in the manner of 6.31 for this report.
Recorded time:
6.57
